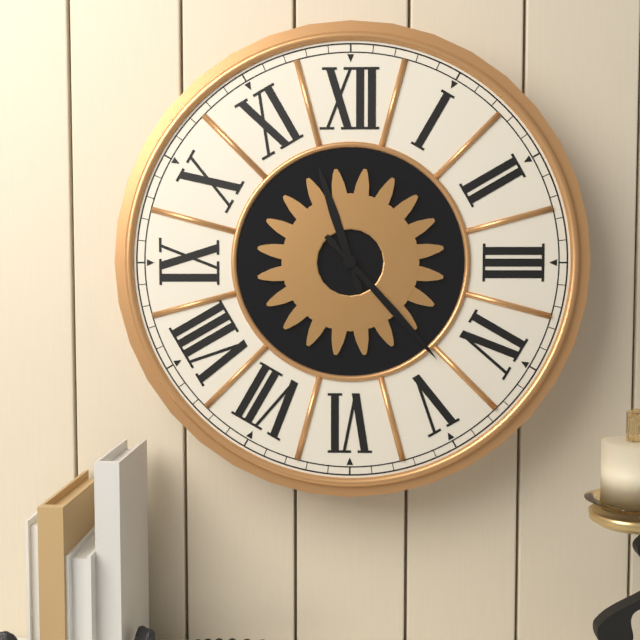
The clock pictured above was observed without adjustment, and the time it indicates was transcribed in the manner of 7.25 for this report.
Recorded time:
11.23
